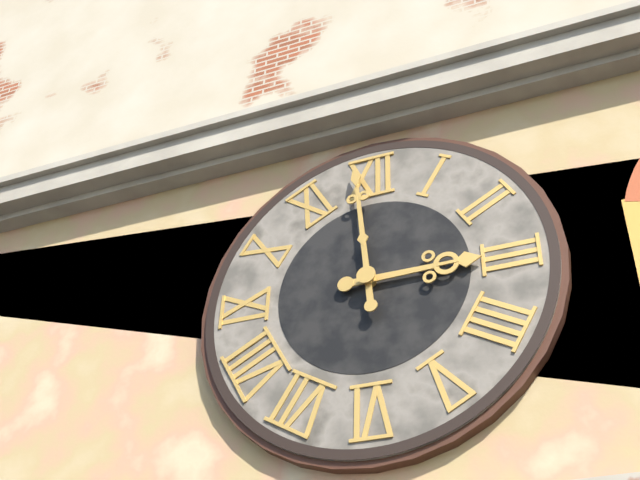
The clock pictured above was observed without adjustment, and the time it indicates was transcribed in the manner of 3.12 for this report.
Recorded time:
2.59
